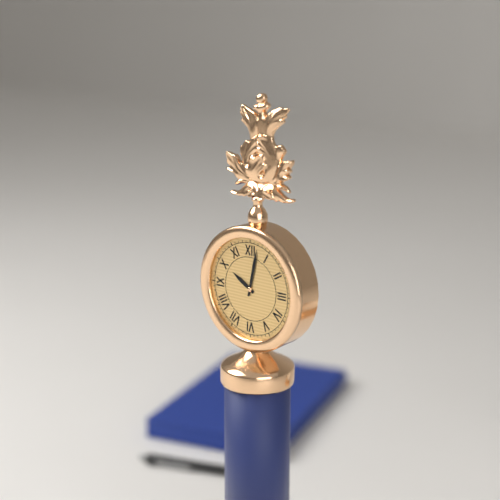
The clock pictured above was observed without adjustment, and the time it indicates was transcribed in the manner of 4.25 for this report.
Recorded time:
10.02
